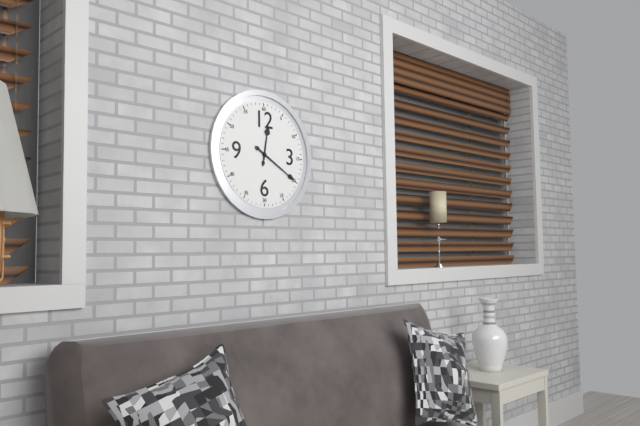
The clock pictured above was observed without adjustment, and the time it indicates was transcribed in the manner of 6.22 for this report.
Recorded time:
12.20
